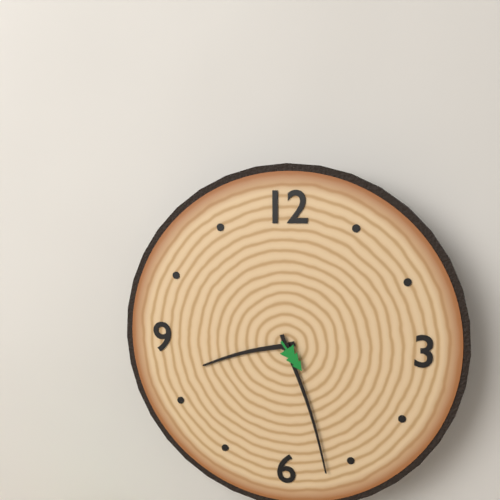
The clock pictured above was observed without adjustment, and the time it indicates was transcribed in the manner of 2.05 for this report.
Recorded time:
8.27
